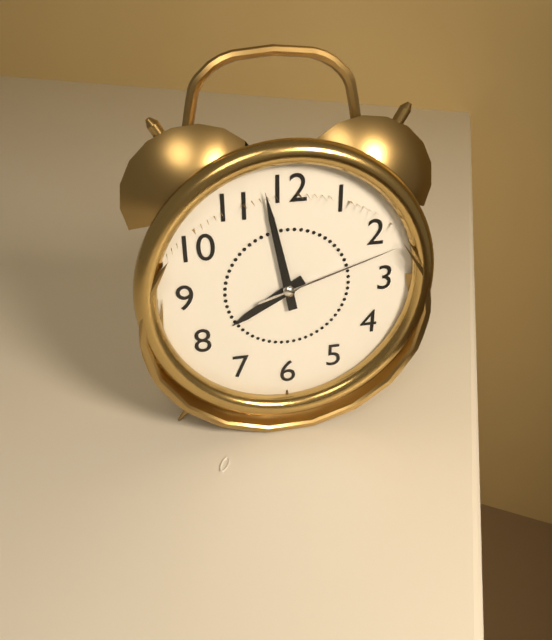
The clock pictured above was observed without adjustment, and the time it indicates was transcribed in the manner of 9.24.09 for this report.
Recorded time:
7.58.12
